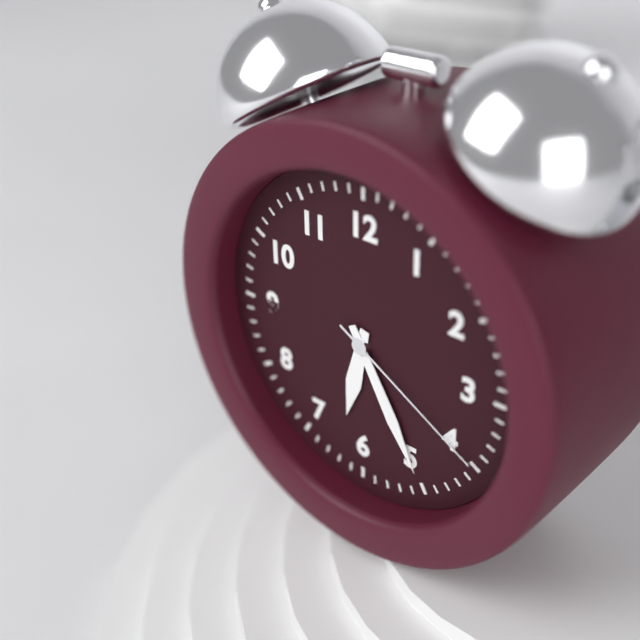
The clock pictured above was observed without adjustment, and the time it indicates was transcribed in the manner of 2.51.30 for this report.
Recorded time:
6.25.20
